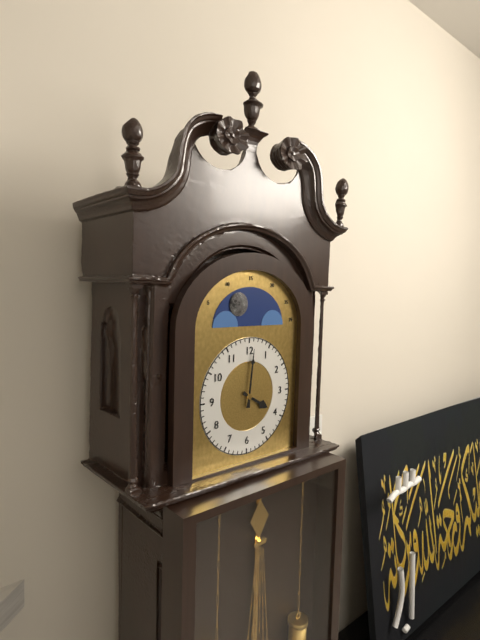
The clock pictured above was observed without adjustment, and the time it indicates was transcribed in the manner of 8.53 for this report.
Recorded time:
4.01
